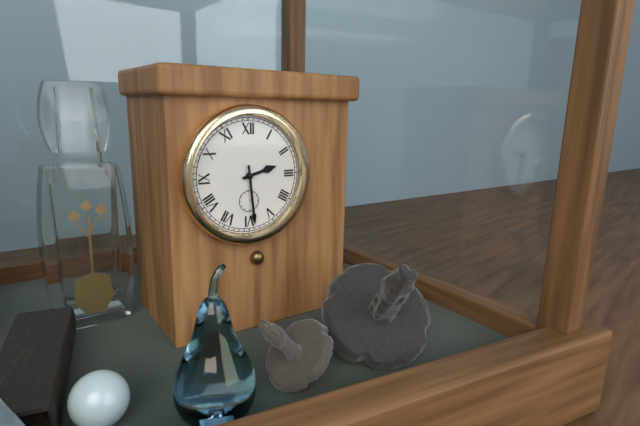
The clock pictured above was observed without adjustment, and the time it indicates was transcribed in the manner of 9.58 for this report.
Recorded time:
2.29
